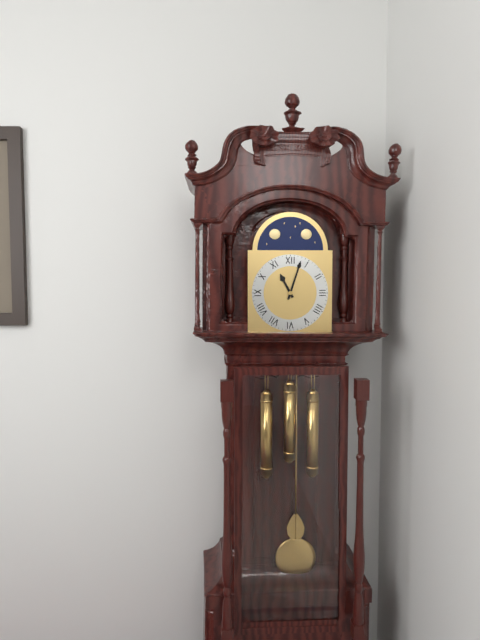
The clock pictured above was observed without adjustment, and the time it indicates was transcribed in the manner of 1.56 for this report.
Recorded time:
11.03
